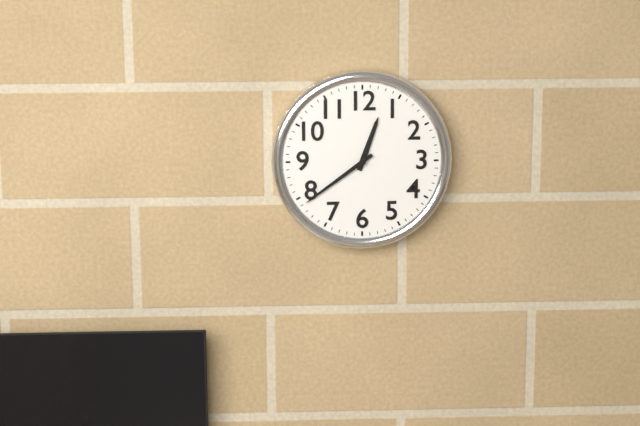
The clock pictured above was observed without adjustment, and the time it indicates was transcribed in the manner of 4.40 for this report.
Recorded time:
12.39
